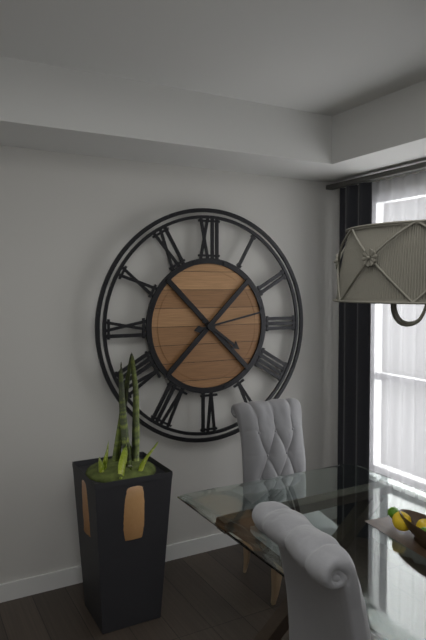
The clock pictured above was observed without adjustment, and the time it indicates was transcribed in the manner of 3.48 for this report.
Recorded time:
4.13
